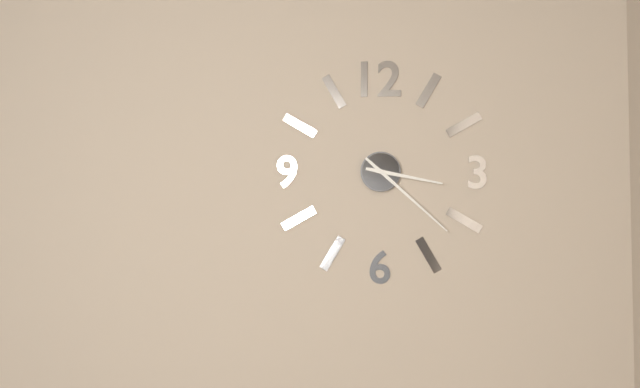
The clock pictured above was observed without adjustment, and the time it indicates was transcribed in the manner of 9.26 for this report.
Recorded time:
3.22
